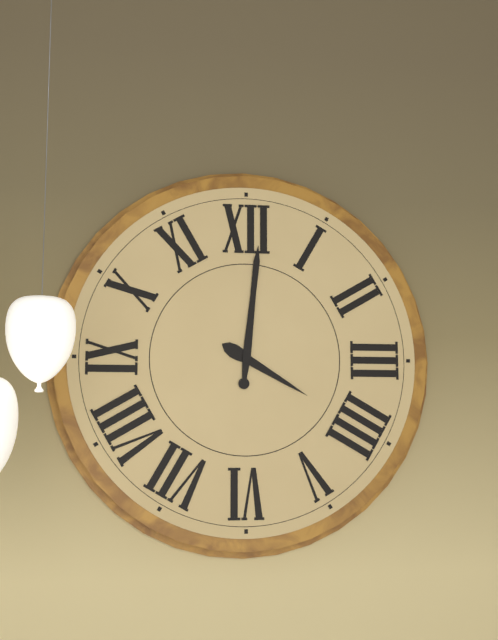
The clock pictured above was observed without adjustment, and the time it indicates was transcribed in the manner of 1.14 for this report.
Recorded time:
4.01
